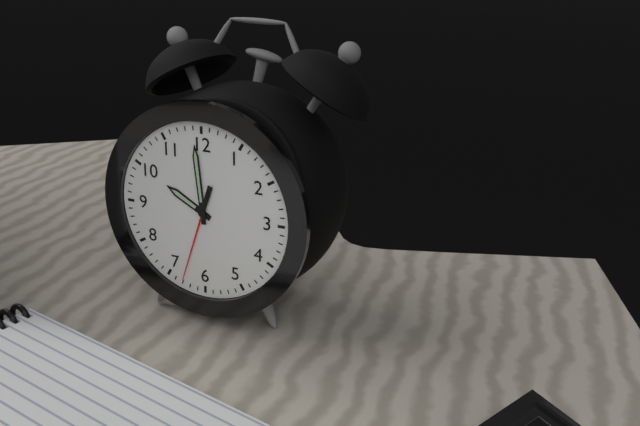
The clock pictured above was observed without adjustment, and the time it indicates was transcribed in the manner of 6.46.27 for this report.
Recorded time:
9.59.33
